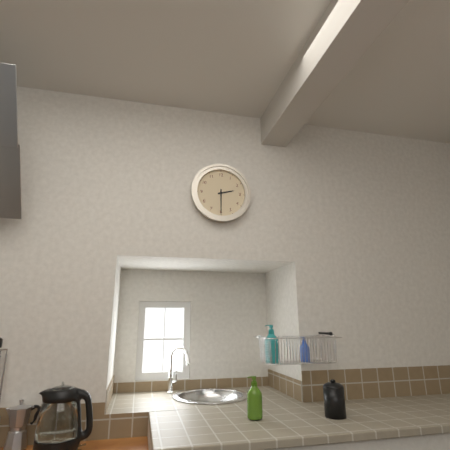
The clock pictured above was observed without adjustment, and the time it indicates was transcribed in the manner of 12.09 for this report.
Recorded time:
2.30
